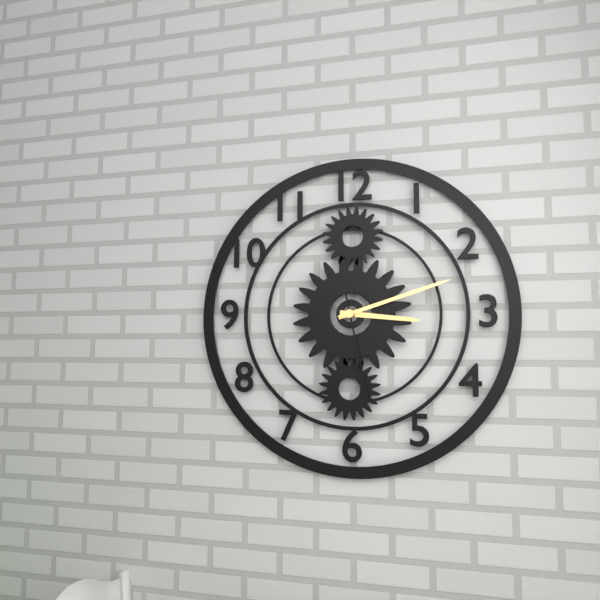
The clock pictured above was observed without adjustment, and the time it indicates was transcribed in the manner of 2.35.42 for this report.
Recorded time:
3.12.28
